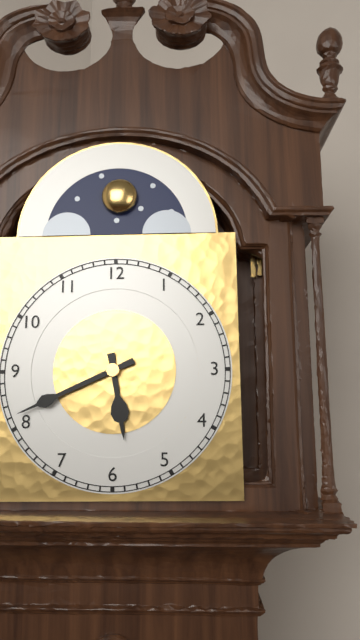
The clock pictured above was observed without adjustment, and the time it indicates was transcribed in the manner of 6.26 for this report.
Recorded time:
5.41
